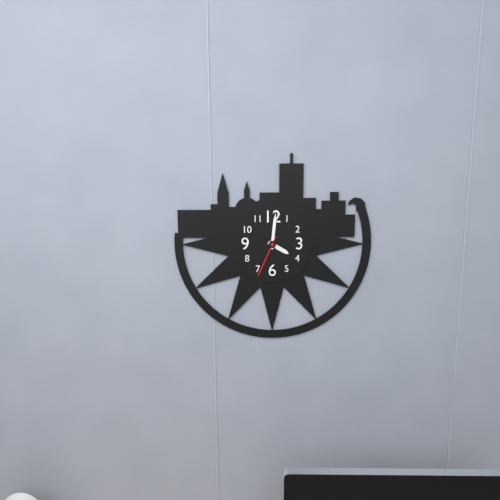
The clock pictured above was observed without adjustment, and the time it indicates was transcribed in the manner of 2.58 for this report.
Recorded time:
4.01
